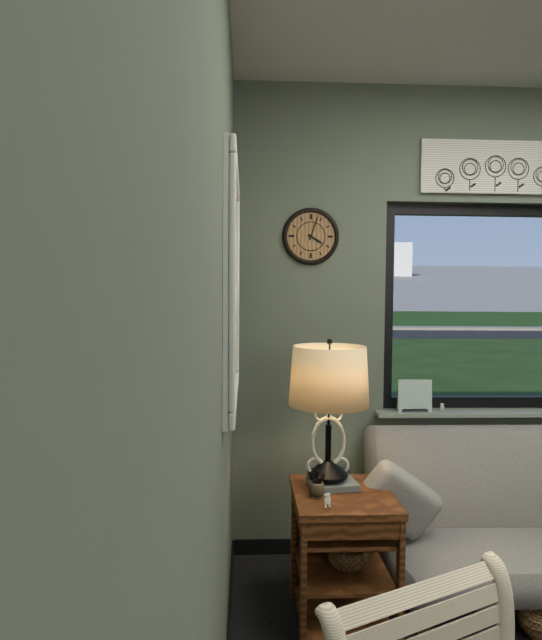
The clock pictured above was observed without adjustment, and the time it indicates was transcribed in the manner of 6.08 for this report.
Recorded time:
4.03
